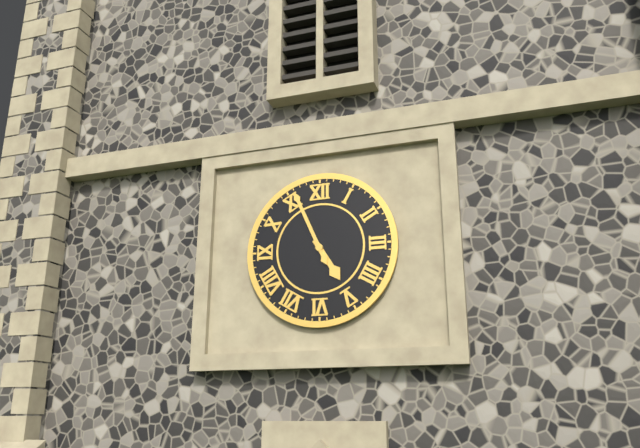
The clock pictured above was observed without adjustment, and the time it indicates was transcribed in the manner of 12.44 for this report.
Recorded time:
4.56
